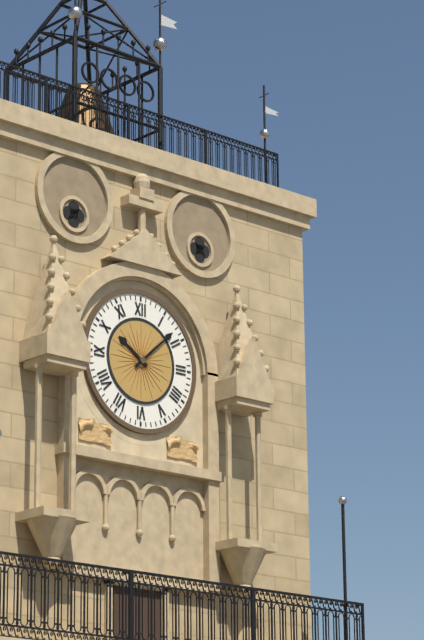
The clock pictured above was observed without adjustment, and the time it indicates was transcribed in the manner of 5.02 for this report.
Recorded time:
10.08
